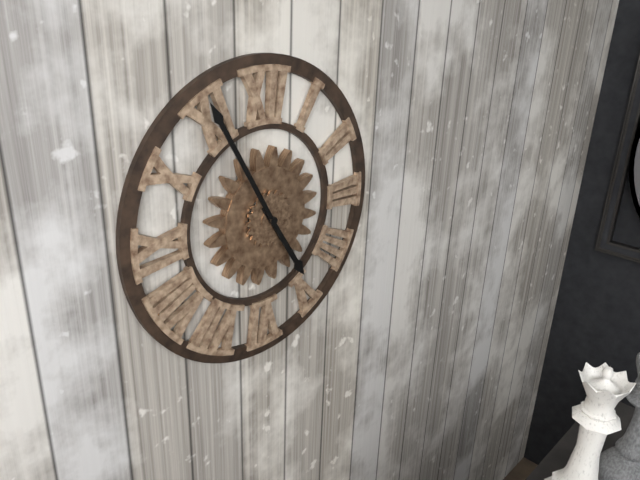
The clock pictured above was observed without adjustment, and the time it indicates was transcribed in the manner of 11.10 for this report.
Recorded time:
4.55
